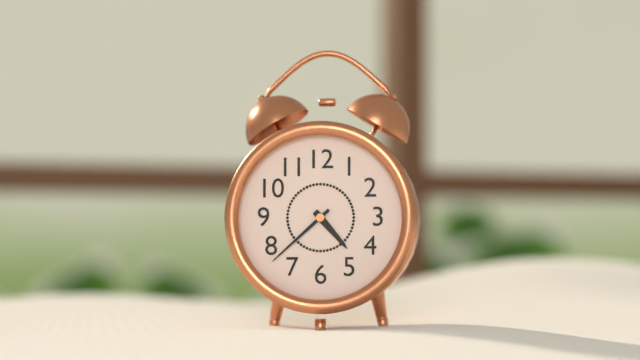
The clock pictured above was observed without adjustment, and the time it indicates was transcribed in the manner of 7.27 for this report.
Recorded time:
4.38
